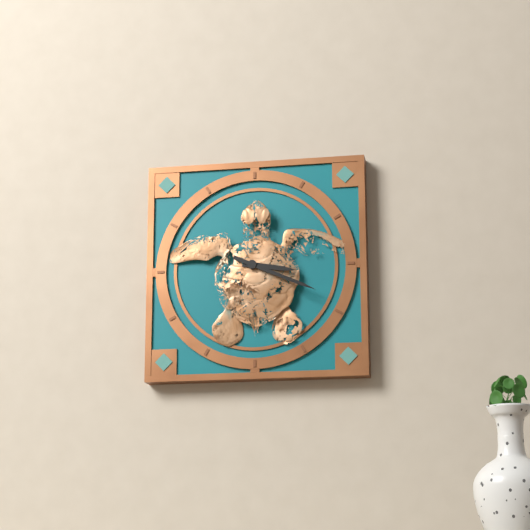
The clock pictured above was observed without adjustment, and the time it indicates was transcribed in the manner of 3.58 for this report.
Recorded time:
3.19
